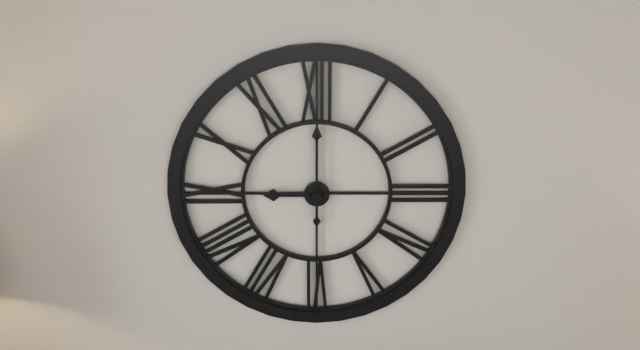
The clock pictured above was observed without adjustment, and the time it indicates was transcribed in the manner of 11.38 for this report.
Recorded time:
9.00
